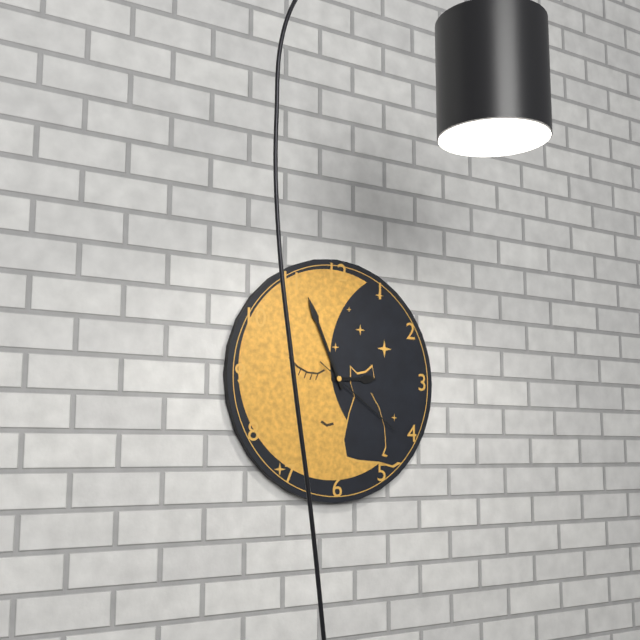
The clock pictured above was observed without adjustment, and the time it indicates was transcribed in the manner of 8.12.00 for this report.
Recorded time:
2.56.21
